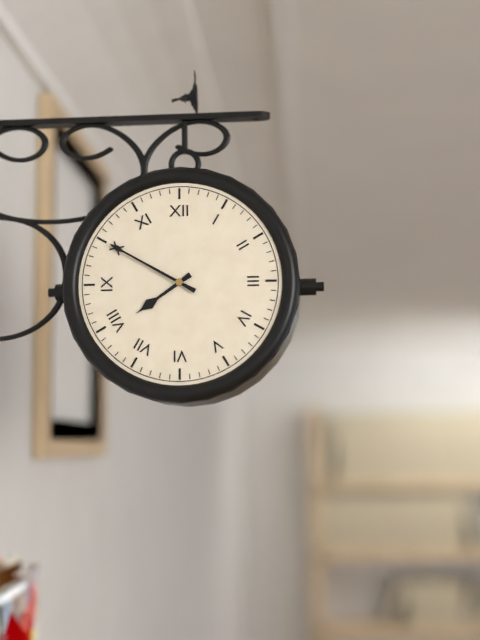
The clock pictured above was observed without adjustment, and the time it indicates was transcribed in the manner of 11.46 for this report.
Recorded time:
7.50
